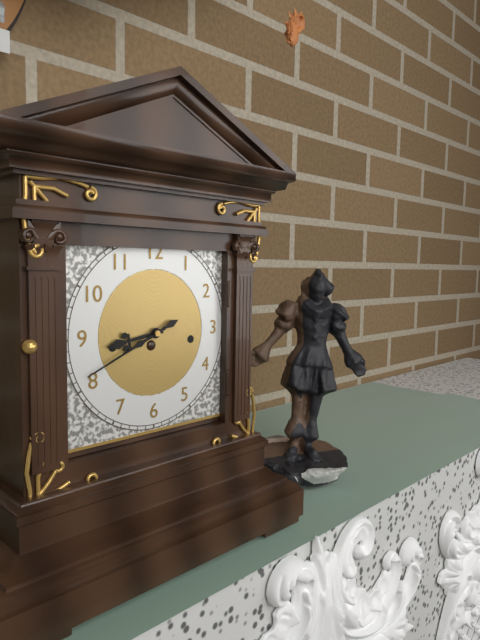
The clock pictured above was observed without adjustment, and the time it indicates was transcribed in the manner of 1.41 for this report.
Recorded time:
8.41
